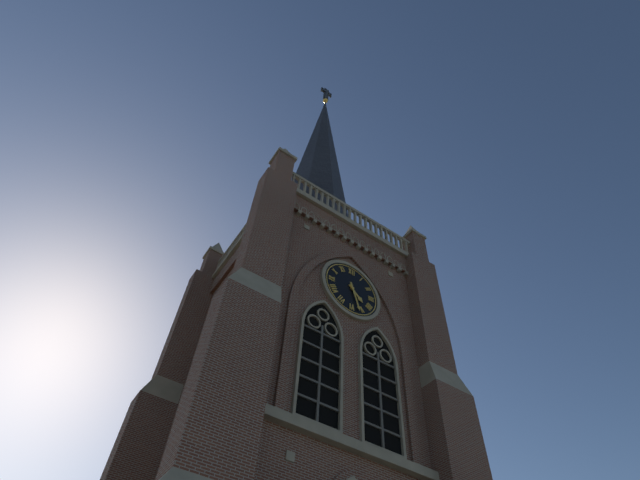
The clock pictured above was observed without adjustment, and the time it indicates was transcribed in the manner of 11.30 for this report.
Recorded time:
4.27
